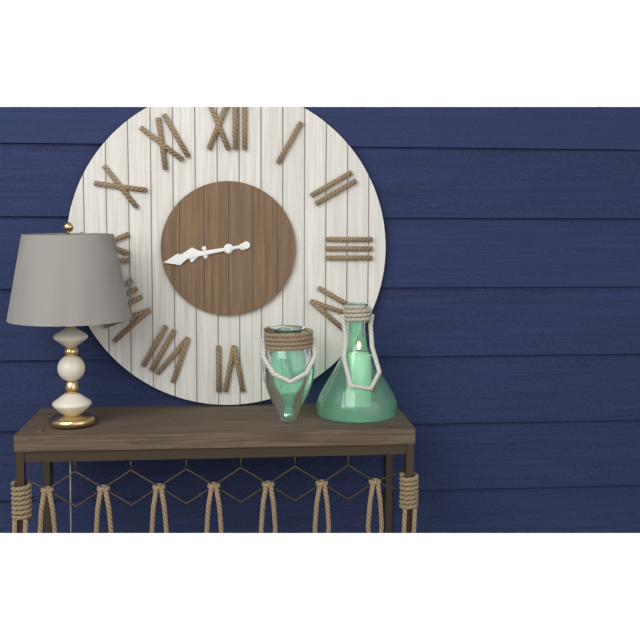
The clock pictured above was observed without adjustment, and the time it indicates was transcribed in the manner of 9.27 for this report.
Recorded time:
8.43
